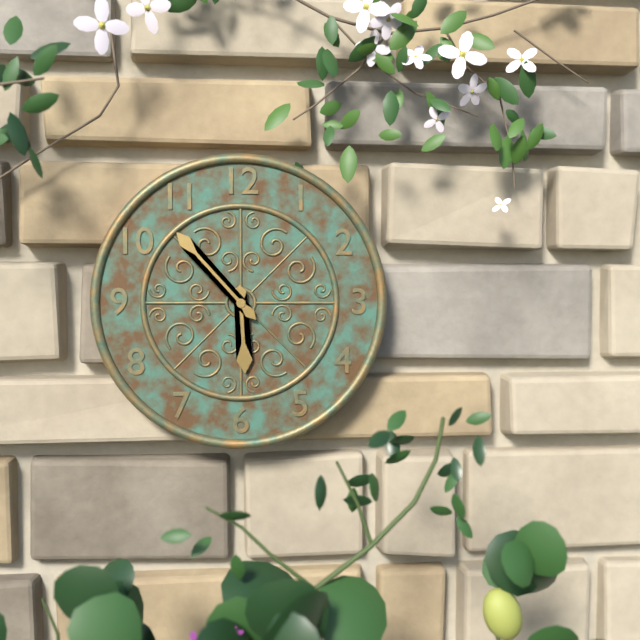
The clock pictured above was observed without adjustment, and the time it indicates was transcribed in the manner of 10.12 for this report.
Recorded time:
5.53
